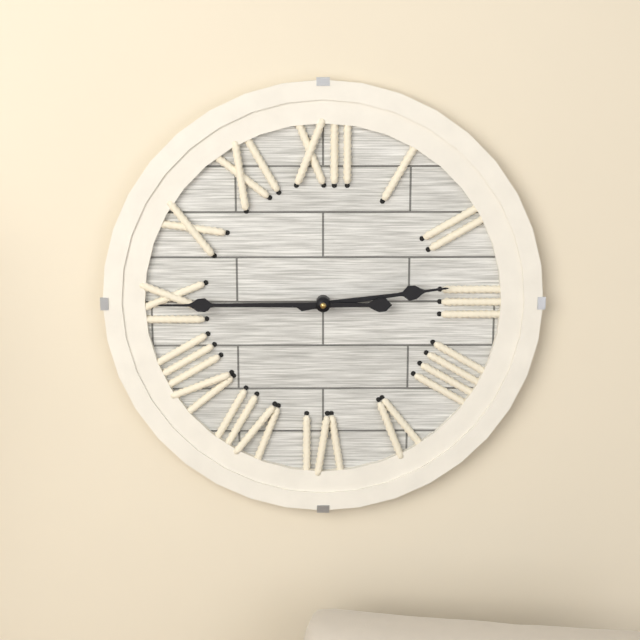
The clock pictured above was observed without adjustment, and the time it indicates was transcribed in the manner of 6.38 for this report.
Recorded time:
2.45
